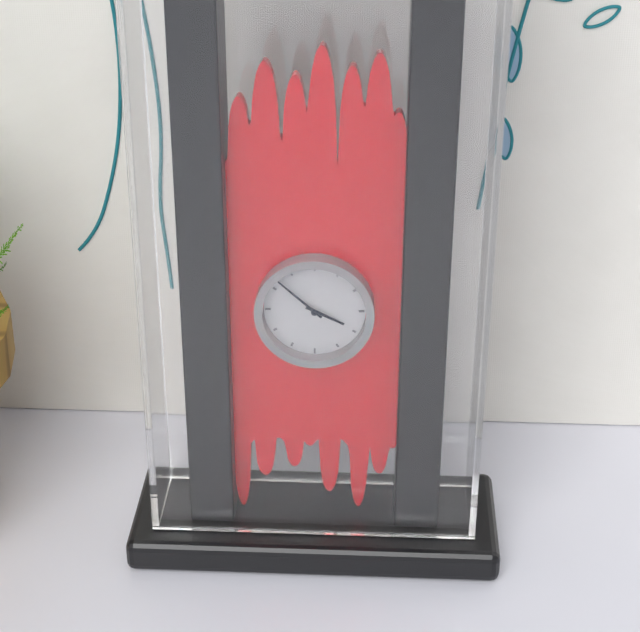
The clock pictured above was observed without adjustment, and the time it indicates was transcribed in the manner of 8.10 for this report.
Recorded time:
3.52
